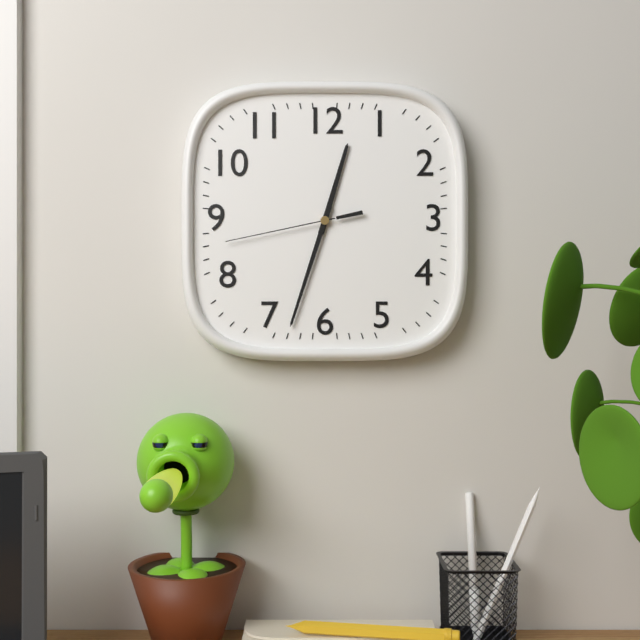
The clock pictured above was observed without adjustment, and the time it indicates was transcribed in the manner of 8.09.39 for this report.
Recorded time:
12.33.43
